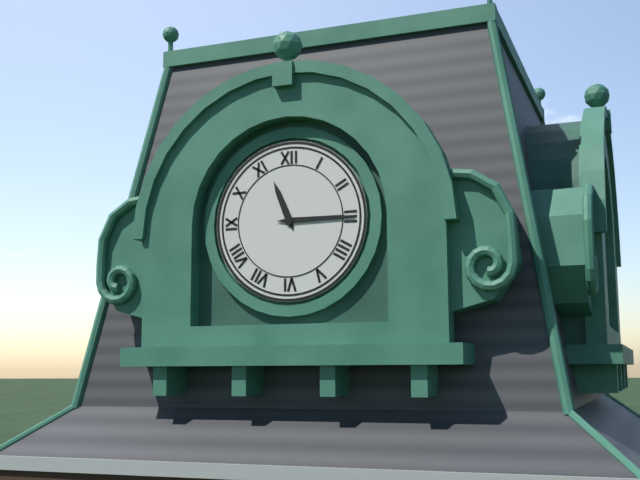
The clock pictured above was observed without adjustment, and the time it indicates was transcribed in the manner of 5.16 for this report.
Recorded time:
11.15
